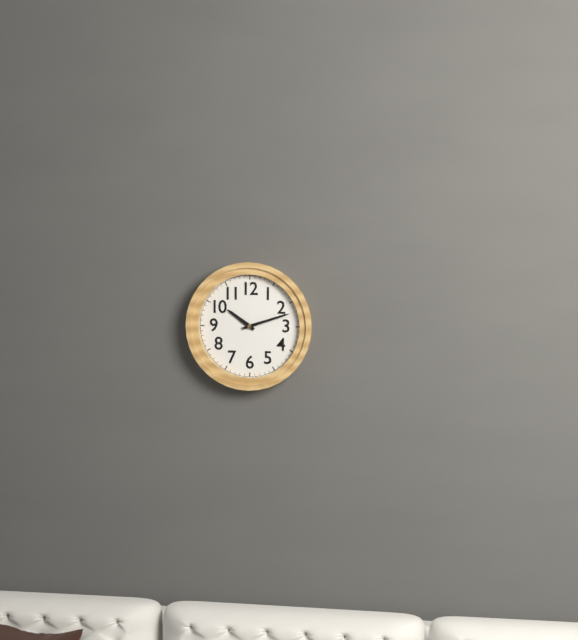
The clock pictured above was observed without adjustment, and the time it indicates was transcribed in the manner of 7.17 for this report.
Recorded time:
10.12
